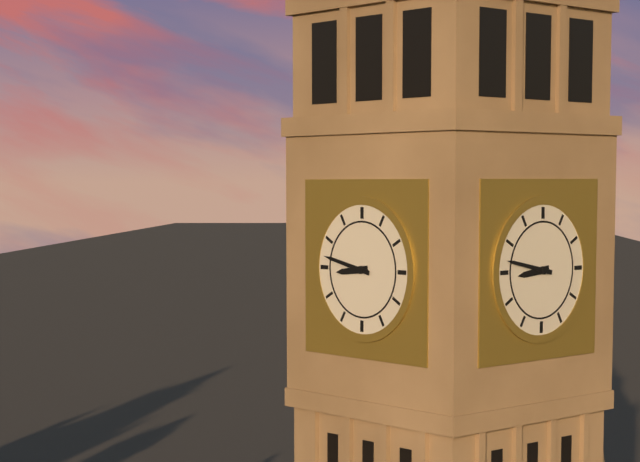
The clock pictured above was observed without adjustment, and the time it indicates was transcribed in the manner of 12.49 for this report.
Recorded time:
8.47
